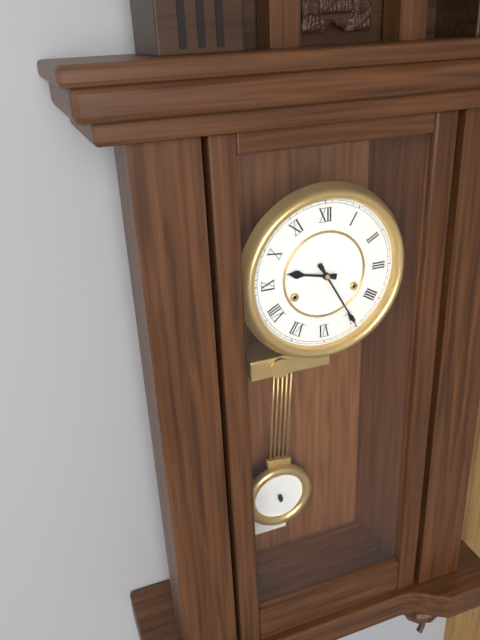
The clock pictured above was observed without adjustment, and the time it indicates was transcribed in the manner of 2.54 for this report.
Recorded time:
9.25
